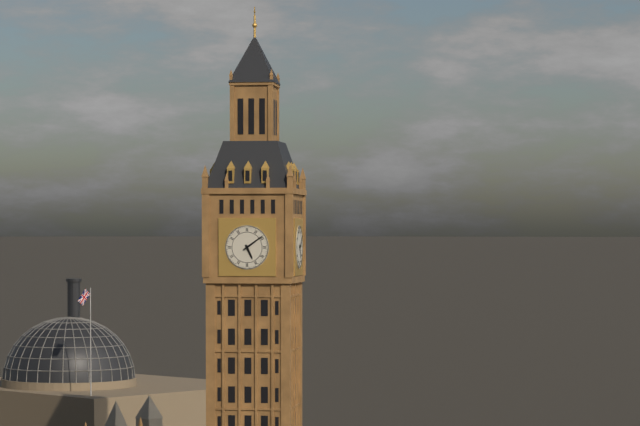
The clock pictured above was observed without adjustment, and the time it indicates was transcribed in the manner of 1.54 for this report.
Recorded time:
5.09
